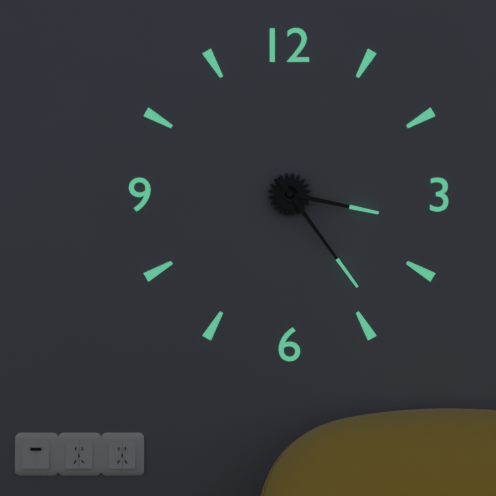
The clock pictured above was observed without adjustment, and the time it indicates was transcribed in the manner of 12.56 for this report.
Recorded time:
3.24
